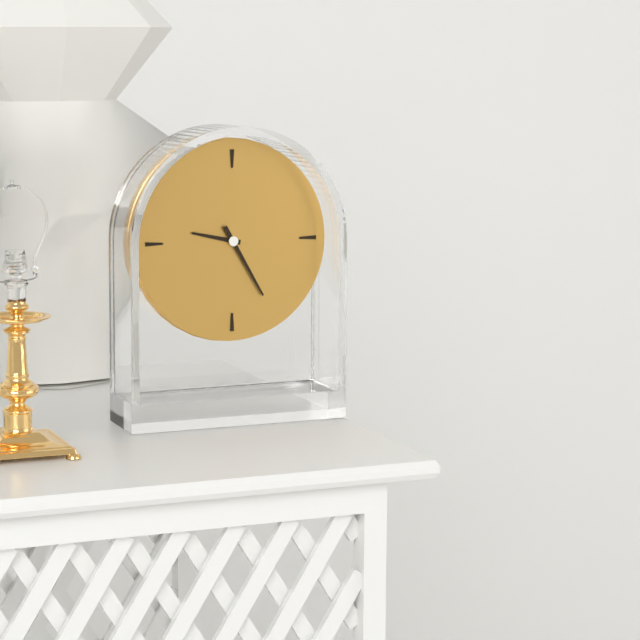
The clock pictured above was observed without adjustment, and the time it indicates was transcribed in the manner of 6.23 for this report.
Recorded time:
9.25
